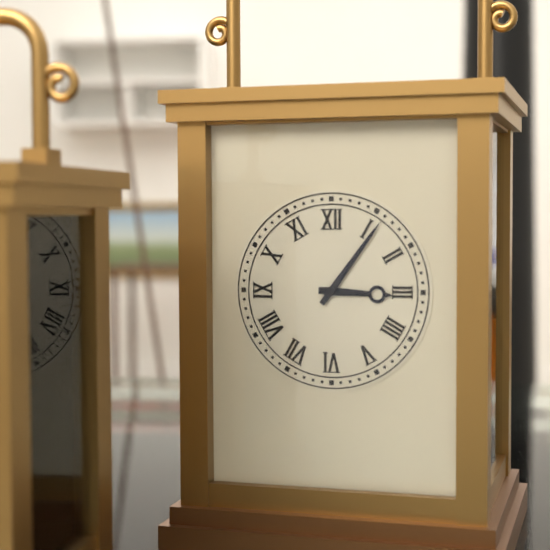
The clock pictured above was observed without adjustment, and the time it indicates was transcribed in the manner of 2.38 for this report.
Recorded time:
3.06
